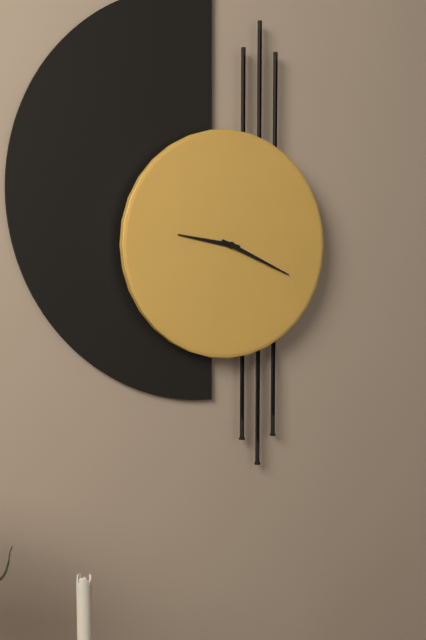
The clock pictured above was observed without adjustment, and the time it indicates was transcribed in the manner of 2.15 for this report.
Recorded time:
9.19
